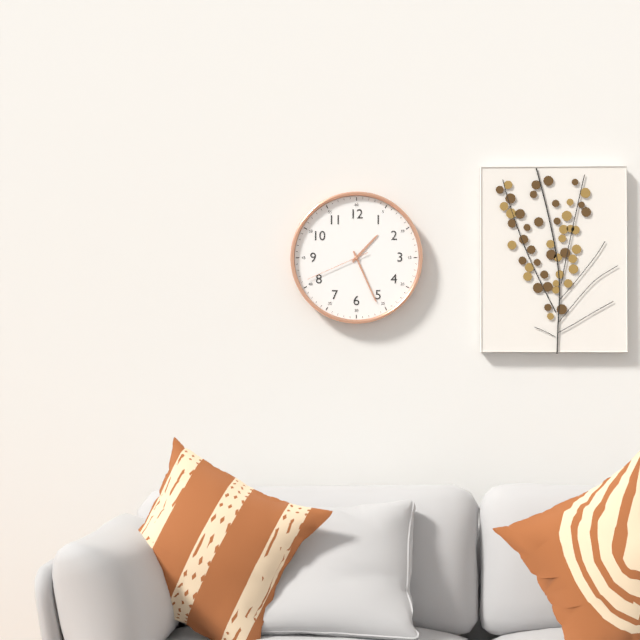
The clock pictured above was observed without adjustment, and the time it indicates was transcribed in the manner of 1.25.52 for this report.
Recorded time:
1.26.41
